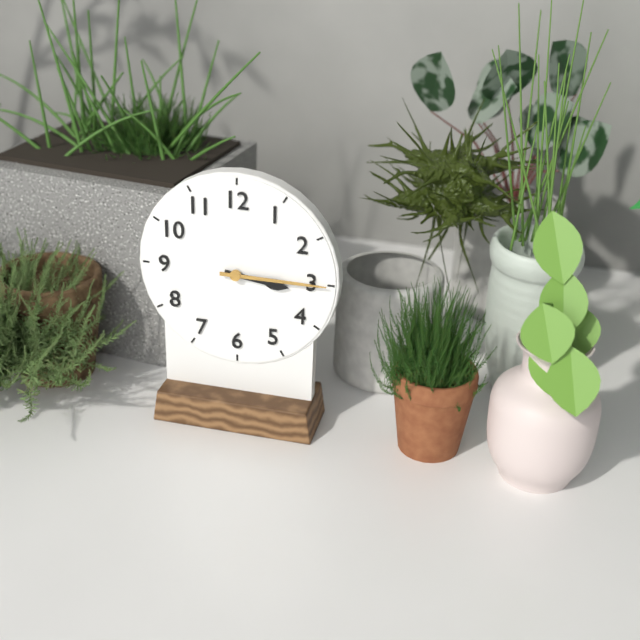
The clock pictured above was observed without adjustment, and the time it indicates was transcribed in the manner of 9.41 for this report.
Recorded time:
3.15
